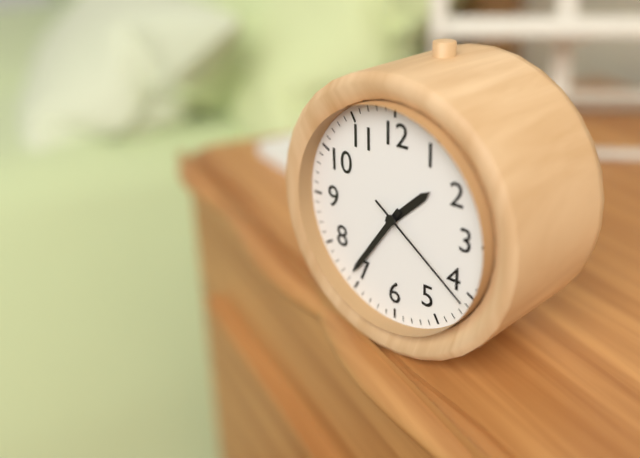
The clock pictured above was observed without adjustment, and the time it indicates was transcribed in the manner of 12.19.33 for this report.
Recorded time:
1.36.21
